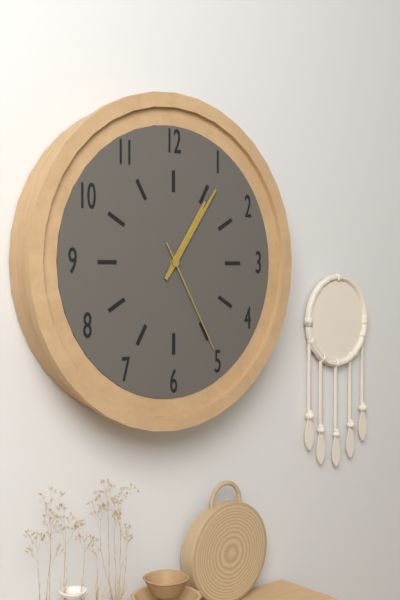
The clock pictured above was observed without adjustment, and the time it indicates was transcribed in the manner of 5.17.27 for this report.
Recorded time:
1.06.25
